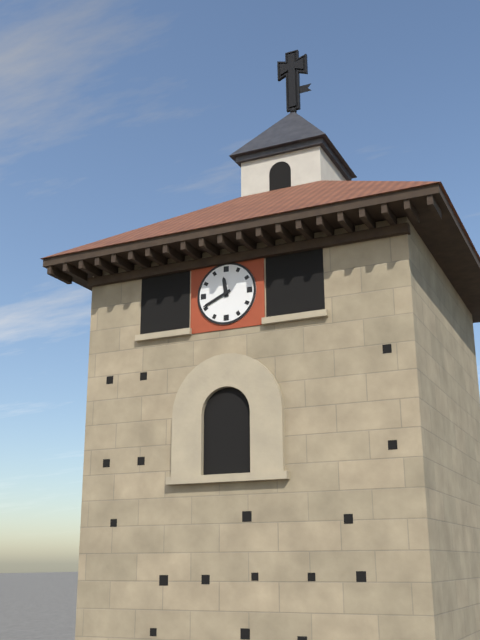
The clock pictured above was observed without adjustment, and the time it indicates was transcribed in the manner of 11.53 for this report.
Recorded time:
11.41
